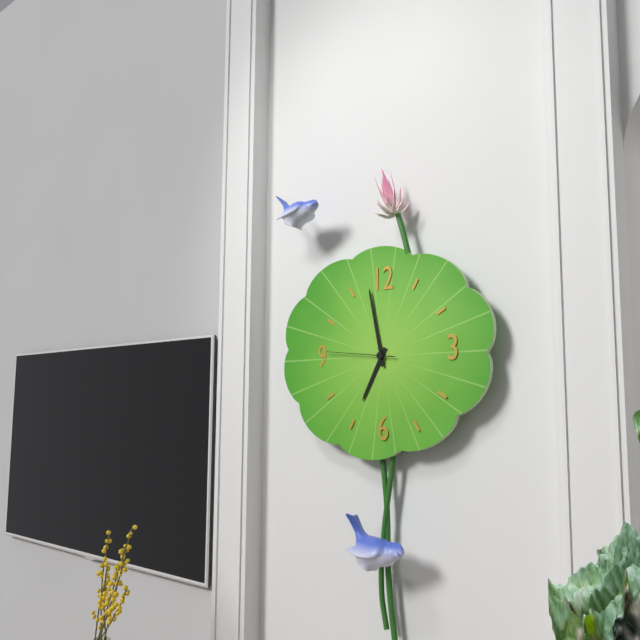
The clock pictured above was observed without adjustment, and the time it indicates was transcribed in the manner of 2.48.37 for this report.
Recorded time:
6.58.46
